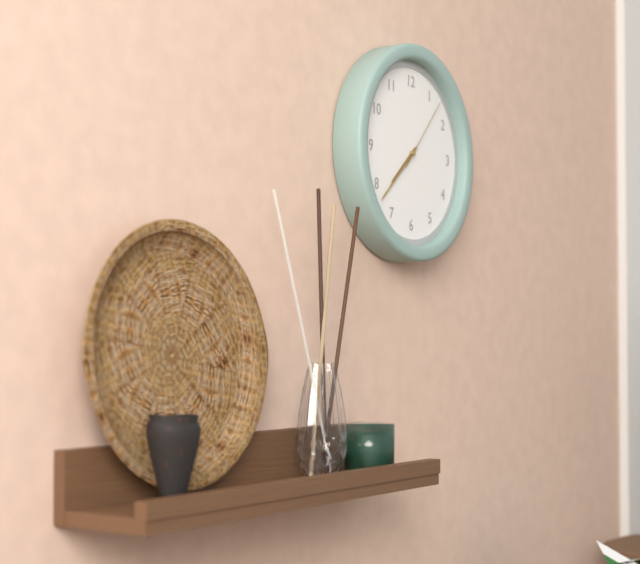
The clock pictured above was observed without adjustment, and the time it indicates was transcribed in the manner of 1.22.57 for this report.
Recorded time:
7.38.07
